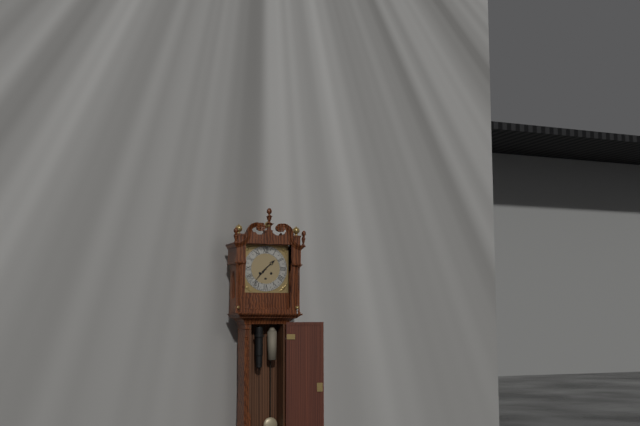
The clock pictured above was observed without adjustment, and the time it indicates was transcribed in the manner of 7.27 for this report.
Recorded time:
1.37
